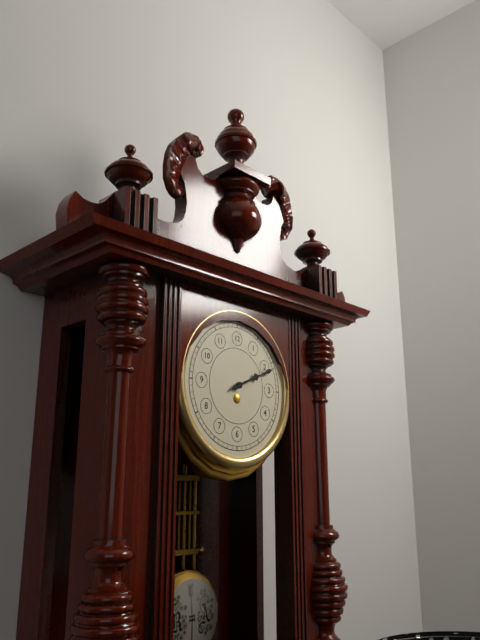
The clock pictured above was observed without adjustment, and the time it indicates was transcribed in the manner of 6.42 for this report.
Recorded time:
2.11
